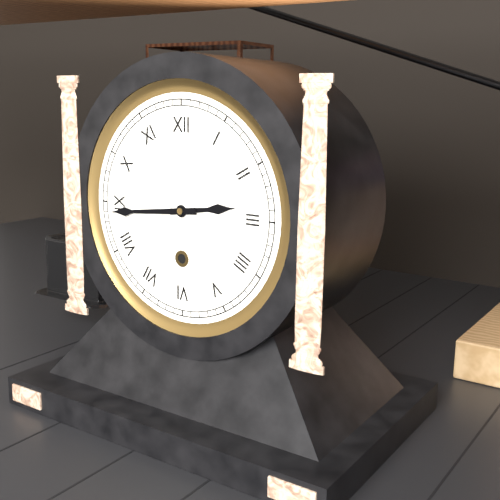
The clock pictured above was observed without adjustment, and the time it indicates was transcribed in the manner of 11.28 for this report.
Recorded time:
2.44
